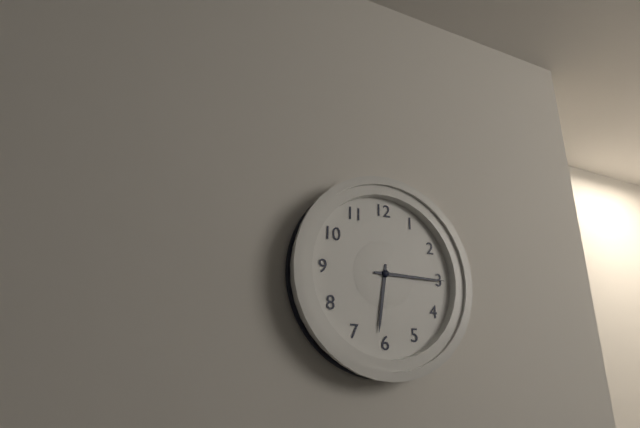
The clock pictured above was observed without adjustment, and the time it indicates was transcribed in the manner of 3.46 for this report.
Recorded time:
6.15
